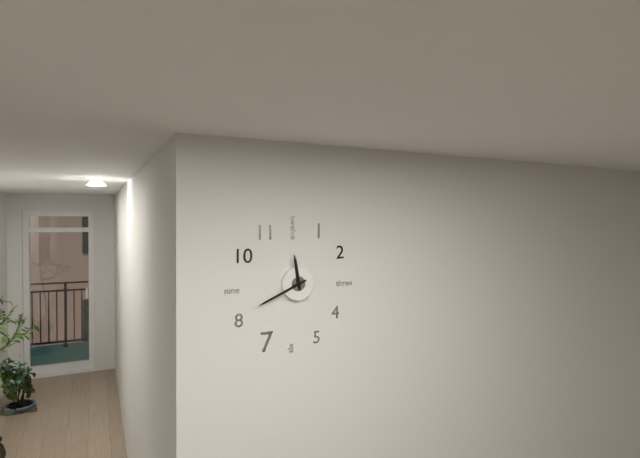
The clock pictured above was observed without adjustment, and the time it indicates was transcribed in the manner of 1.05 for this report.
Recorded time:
11.41
